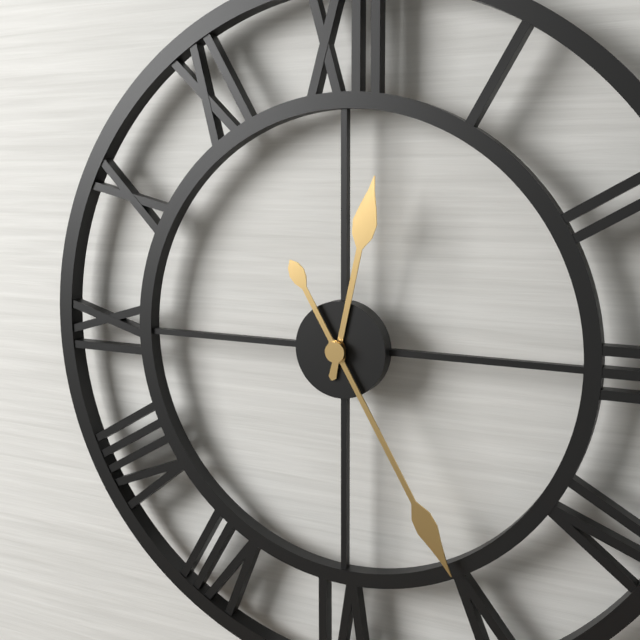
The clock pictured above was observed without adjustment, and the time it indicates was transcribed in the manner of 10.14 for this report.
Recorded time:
12.25
